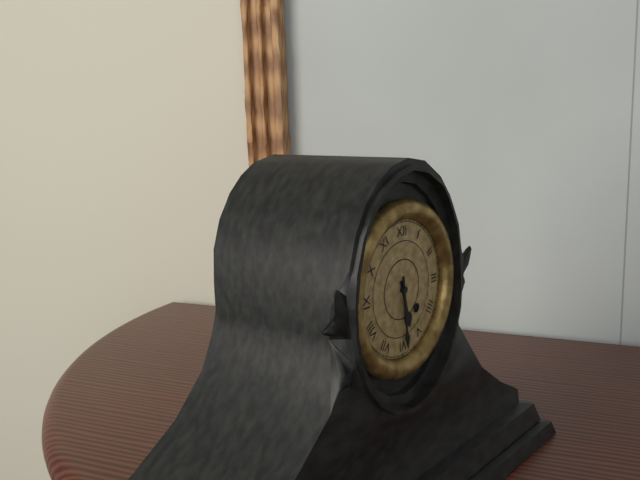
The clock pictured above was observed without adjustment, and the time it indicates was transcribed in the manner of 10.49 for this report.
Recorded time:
5.29
